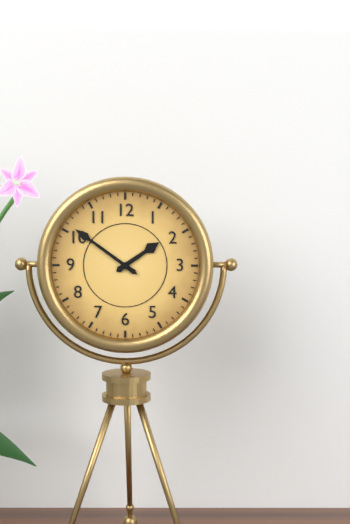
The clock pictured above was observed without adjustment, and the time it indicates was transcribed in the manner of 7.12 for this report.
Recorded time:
1.51
